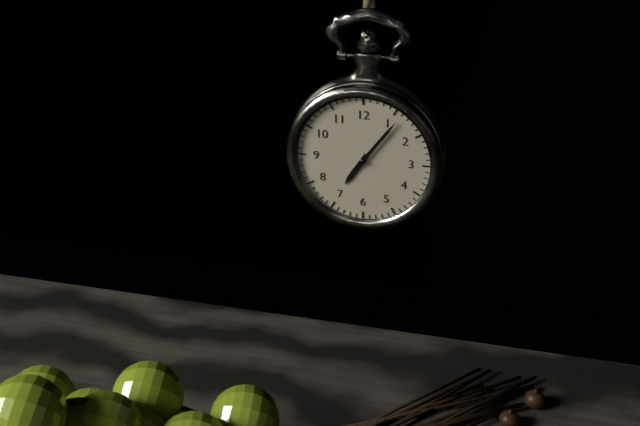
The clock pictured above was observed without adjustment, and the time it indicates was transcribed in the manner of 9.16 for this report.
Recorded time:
7.06
